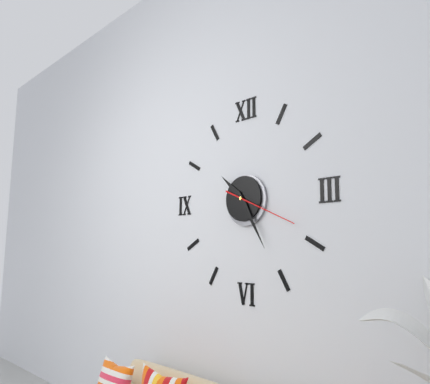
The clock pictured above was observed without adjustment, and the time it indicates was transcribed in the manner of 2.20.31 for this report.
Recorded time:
10.25.19
